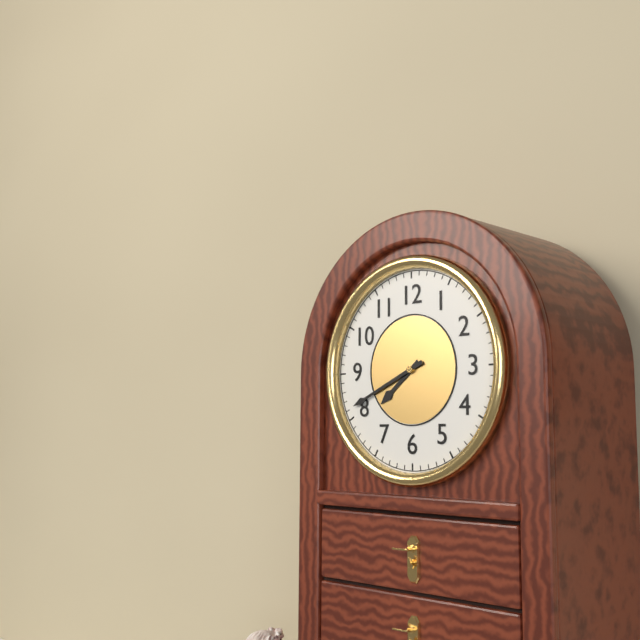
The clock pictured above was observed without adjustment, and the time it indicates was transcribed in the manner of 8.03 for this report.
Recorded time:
7.41
